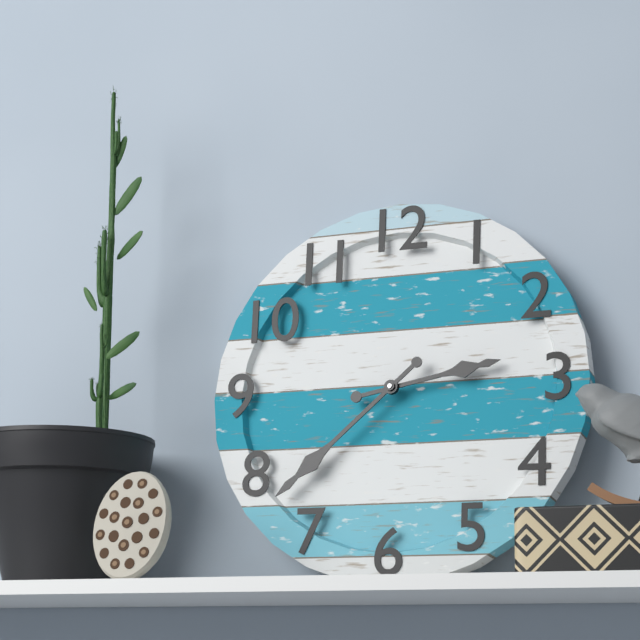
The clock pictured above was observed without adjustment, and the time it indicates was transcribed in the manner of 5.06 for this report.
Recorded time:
2.38
